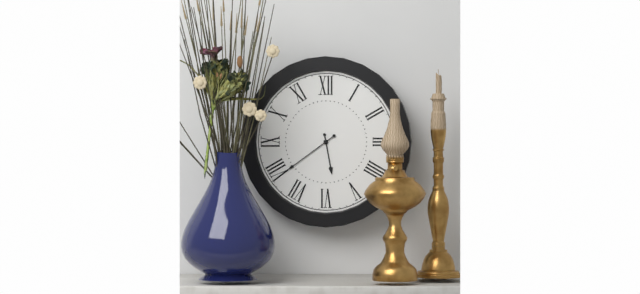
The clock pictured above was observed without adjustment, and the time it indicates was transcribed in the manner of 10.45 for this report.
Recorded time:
5.39
